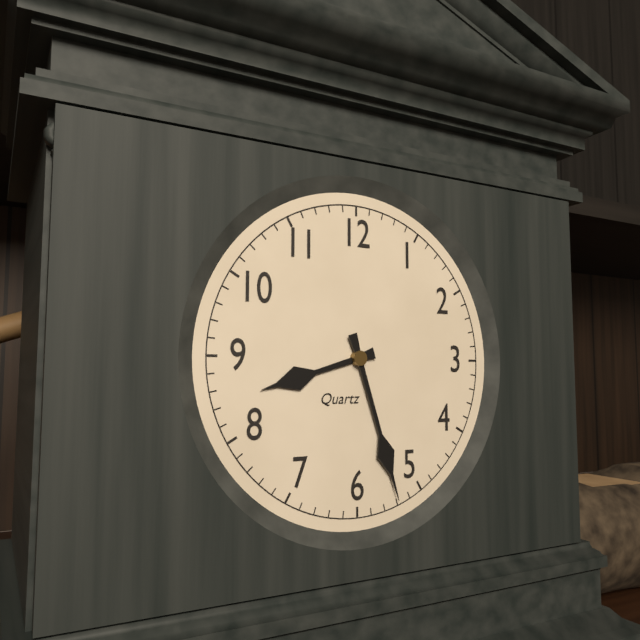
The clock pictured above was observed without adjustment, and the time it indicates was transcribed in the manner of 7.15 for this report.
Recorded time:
8.27
